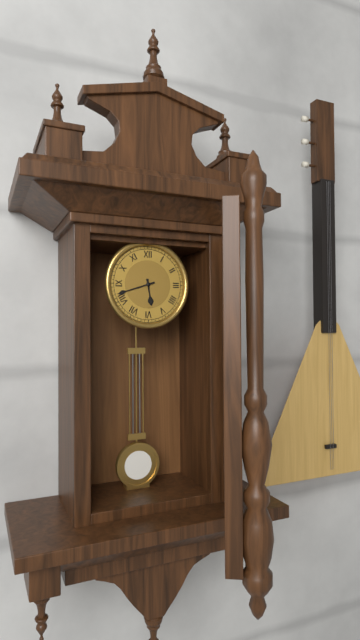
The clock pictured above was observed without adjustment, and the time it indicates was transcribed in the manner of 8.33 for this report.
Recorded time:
5.42
